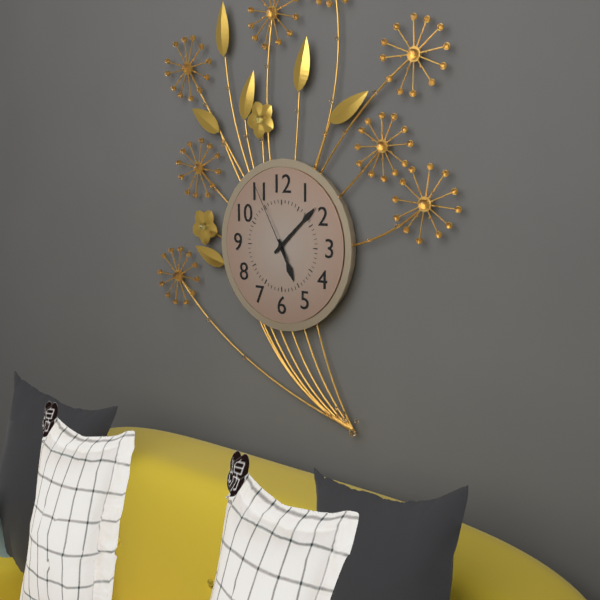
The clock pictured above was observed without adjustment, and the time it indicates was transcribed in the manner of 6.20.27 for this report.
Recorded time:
5.08.55
